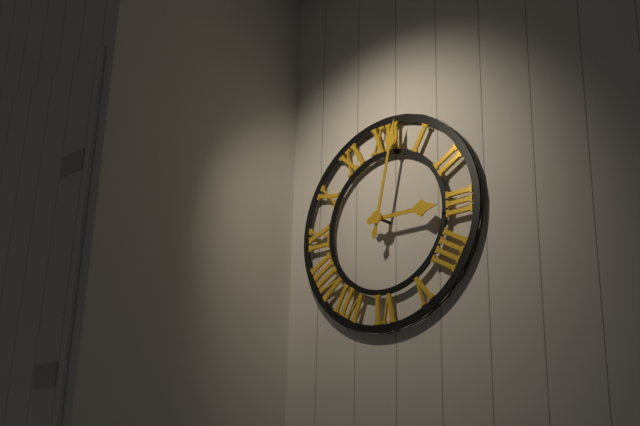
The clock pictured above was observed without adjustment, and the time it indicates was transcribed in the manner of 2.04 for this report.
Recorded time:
3.02
